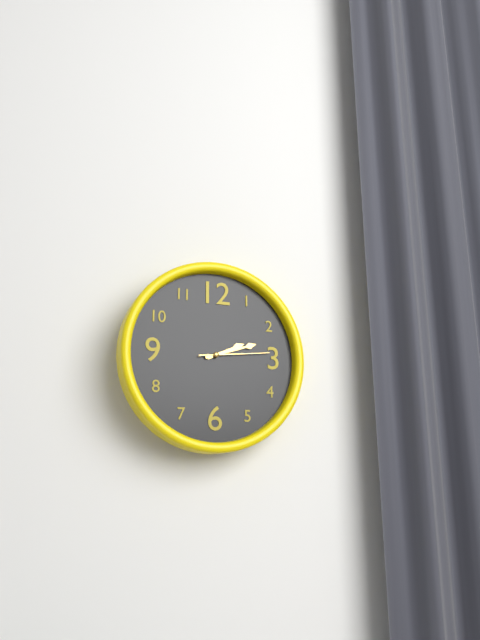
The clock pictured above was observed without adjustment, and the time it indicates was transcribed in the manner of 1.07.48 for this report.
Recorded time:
2.12.14
